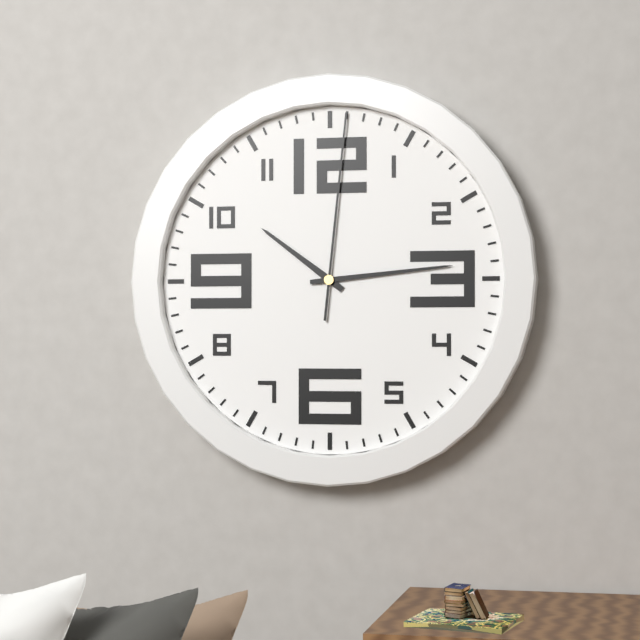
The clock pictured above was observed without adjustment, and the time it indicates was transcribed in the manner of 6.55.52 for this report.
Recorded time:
10.14.01
